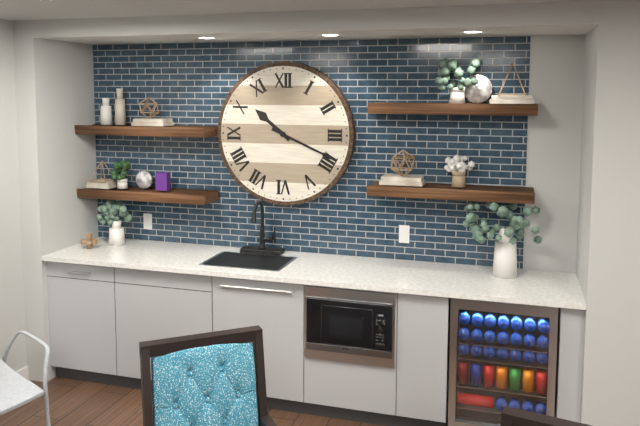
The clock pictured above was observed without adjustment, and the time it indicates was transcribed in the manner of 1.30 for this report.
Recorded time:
10.19
